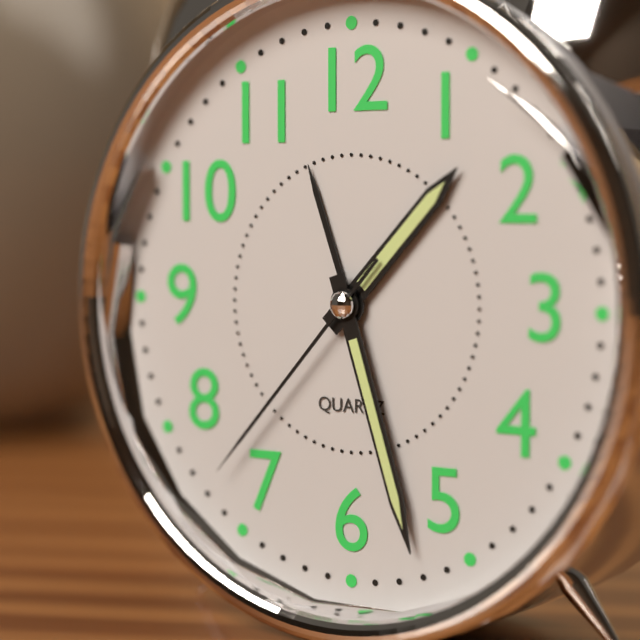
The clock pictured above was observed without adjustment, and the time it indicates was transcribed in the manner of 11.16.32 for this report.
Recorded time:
1.27.37
